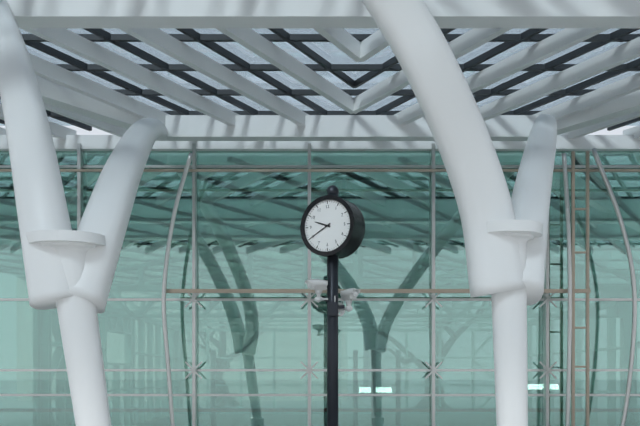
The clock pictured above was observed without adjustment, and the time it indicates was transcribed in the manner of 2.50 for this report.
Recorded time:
9.40
